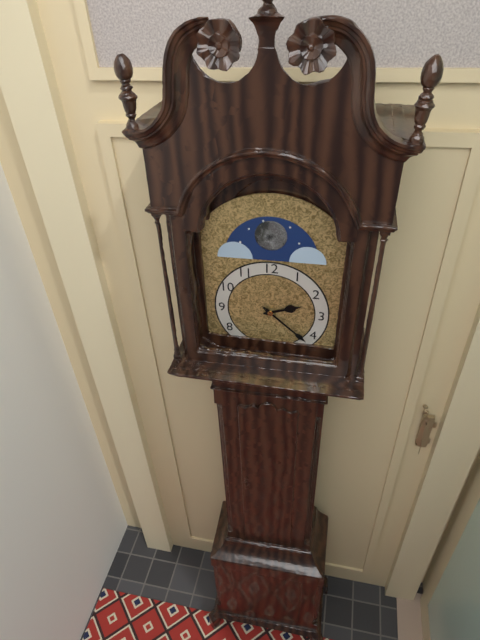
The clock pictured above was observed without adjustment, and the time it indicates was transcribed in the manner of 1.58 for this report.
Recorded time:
2.22
